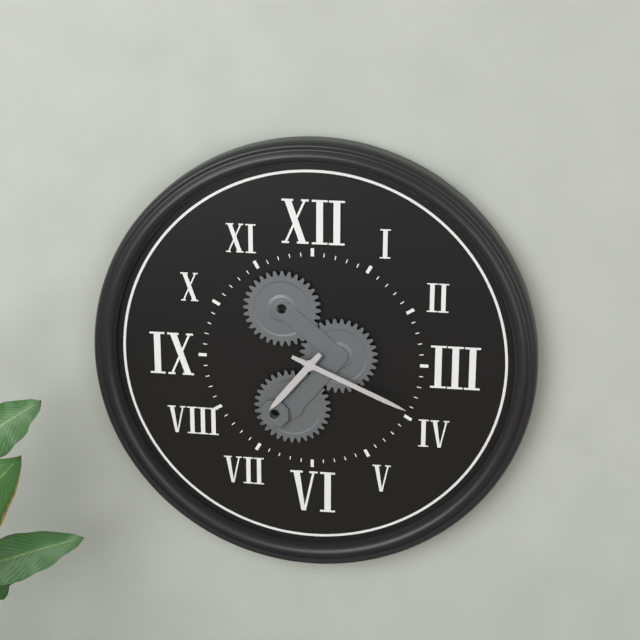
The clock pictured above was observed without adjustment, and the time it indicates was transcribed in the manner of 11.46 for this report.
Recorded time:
7.19
